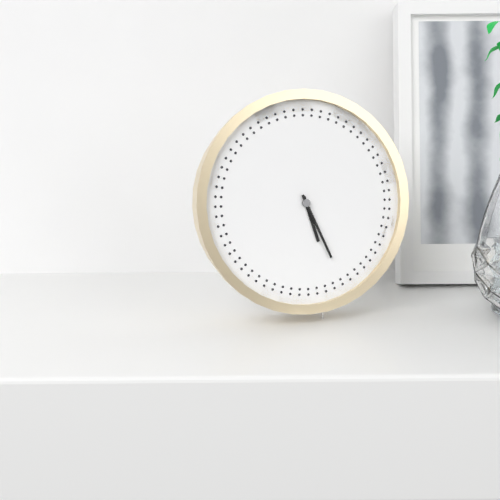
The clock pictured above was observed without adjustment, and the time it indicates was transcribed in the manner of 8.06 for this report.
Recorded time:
5.26
